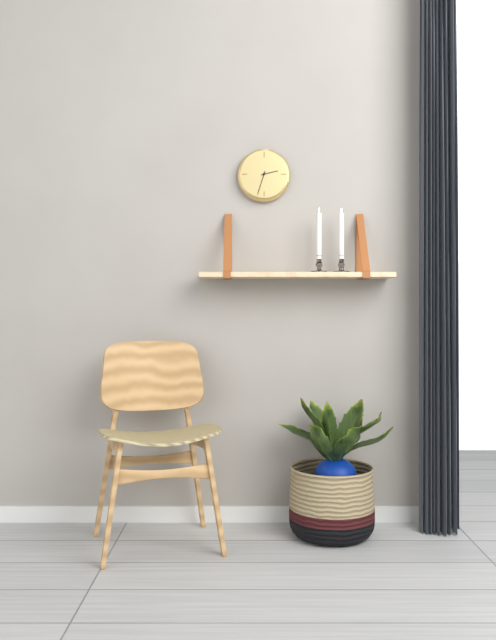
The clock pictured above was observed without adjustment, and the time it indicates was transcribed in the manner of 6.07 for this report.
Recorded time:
2.33
